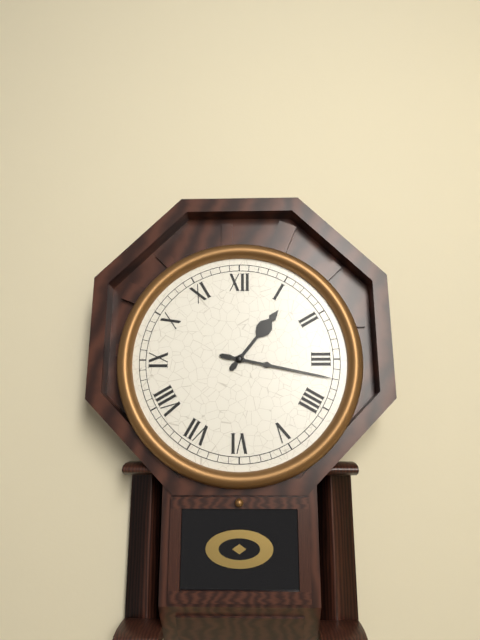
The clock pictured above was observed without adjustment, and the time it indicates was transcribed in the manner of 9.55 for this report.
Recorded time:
1.17
